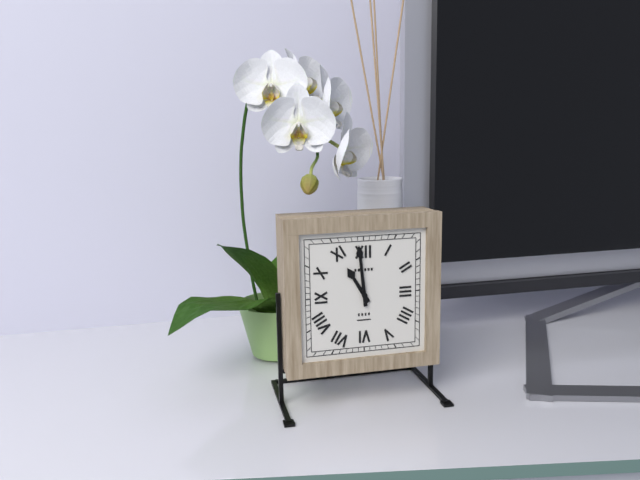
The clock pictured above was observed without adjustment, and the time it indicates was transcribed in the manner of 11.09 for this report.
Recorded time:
10.59
